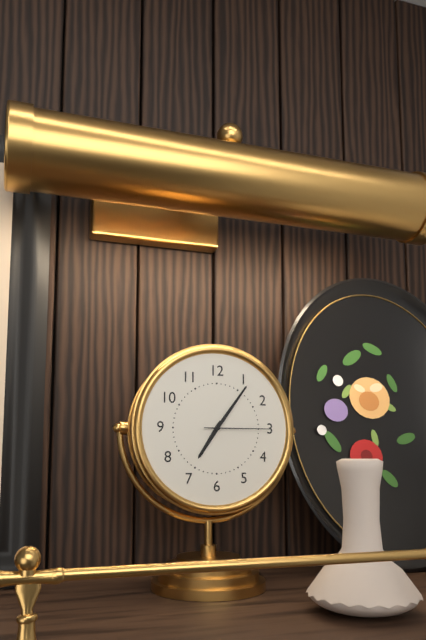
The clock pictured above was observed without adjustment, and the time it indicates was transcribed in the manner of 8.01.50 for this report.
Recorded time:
7.06.15
